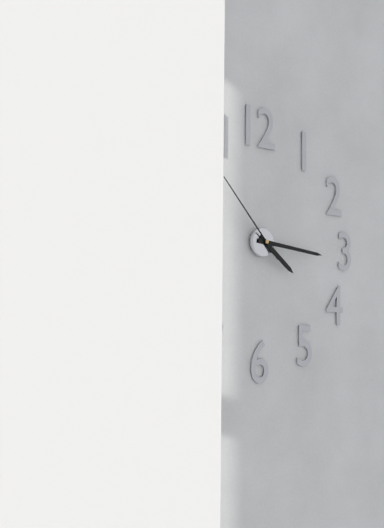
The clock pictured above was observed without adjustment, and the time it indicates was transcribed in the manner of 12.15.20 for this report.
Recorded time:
4.16.53
